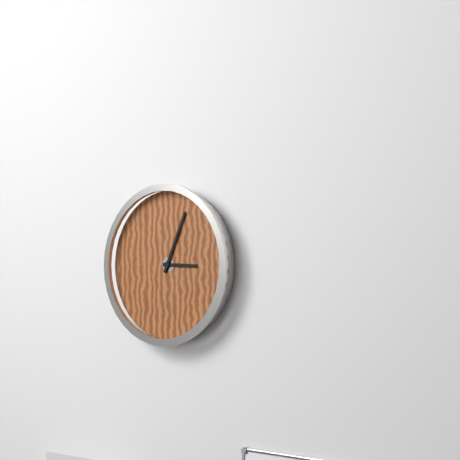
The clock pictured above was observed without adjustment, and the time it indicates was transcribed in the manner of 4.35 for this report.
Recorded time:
3.04
